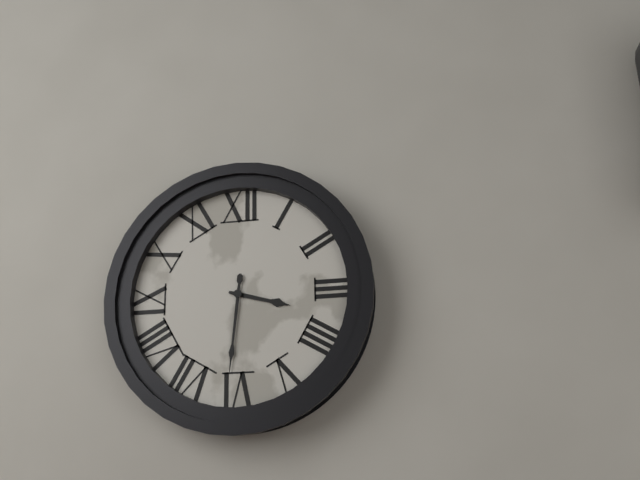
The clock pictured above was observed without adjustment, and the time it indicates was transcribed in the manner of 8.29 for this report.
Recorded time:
3.31
